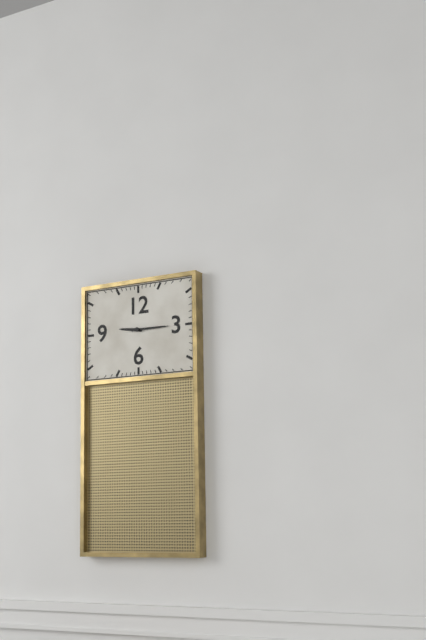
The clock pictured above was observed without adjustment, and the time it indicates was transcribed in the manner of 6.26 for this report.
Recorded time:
9.15
